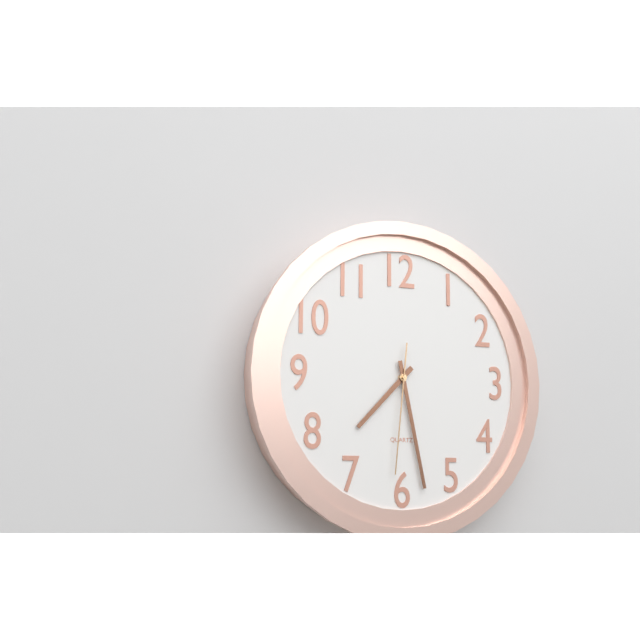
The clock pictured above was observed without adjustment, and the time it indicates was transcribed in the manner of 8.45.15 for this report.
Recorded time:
7.28.31
